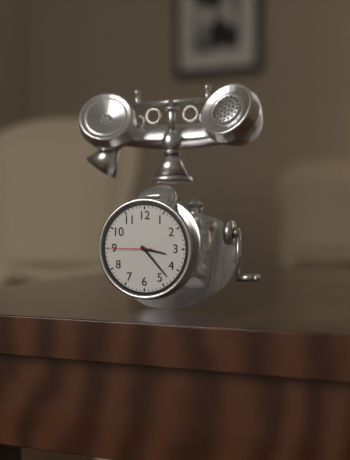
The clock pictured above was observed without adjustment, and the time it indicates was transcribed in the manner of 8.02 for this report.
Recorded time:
3.23
